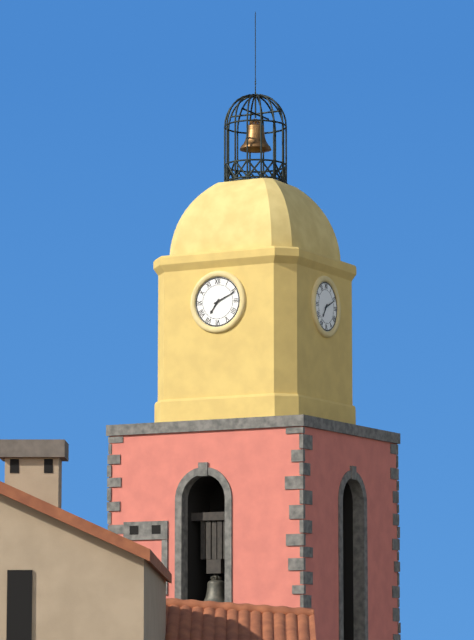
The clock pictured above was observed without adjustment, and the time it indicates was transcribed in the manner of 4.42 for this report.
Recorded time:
7.11
